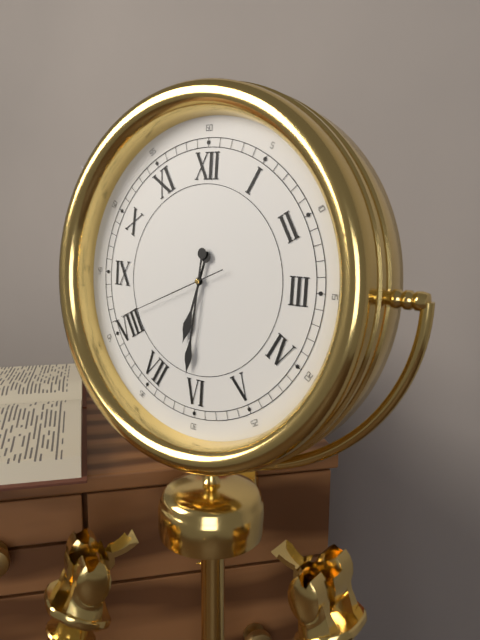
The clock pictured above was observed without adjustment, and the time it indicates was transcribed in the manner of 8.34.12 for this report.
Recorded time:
6.31.41
